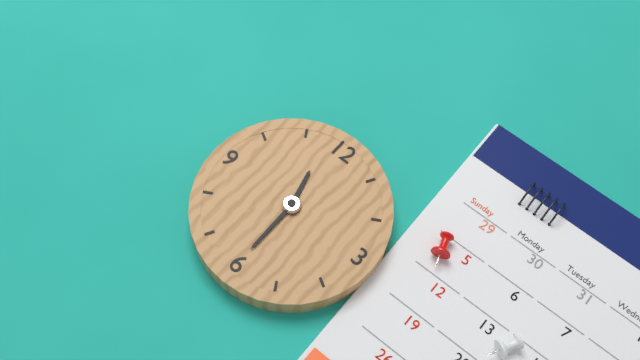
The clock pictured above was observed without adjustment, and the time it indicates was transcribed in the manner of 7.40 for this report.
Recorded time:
11.30
